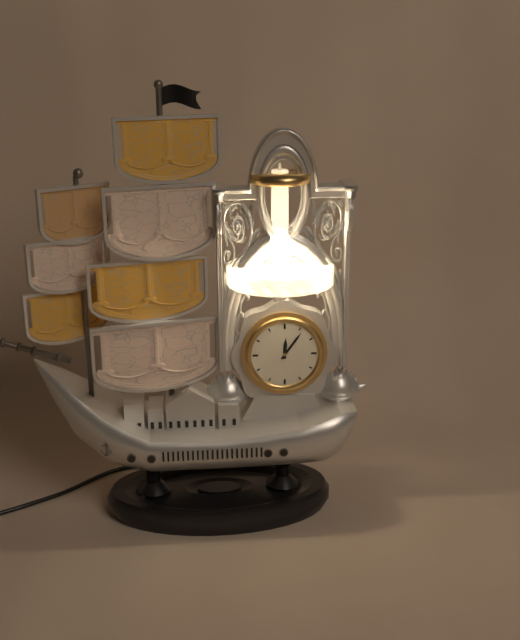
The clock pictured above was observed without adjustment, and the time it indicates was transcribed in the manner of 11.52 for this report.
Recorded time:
12.06
